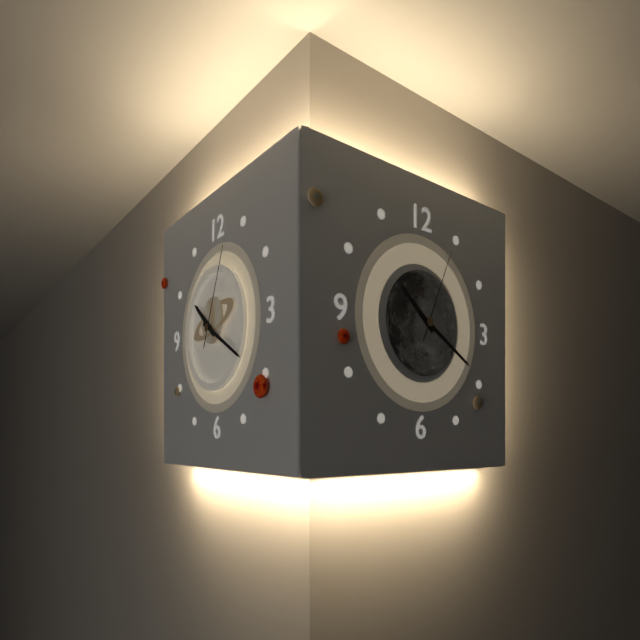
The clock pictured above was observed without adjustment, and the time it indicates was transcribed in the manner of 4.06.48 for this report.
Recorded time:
10.20.04
